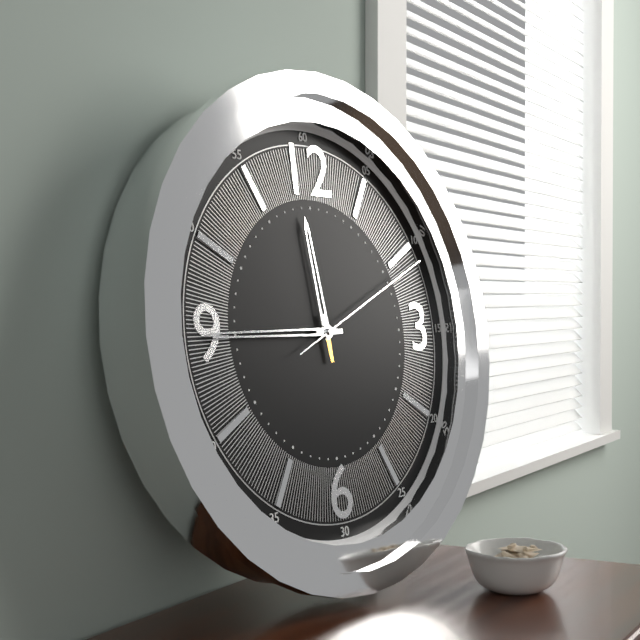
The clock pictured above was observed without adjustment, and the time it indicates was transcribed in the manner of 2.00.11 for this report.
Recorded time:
11.45.11
